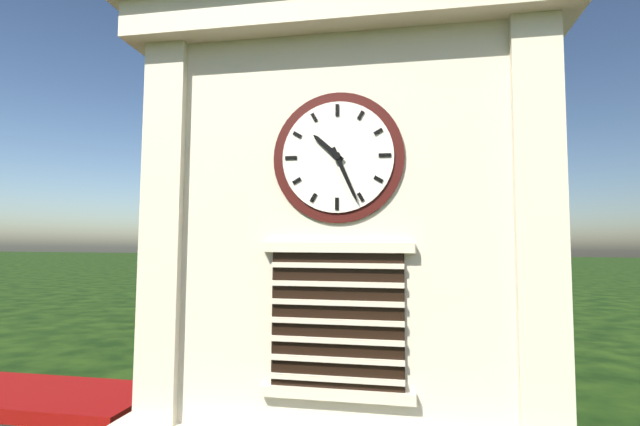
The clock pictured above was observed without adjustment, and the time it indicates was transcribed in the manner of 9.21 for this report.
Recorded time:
10.26
